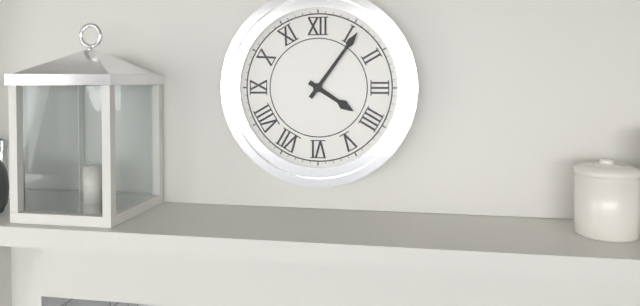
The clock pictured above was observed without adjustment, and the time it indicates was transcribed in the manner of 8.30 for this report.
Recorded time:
4.06
